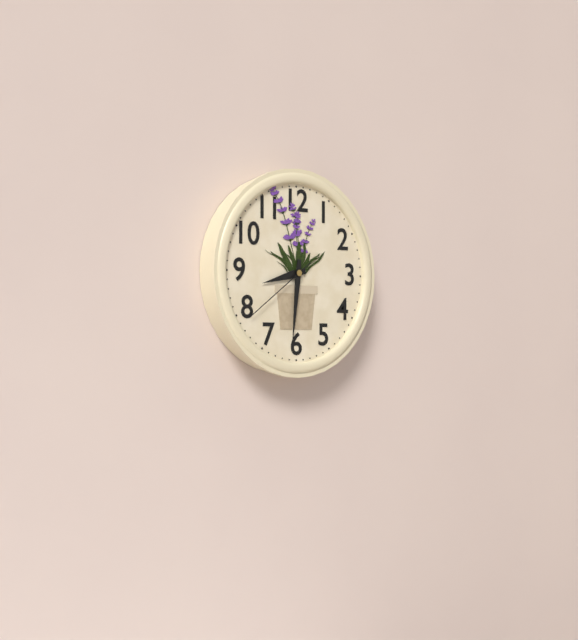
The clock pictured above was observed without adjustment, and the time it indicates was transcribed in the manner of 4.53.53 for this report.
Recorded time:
8.31.39
